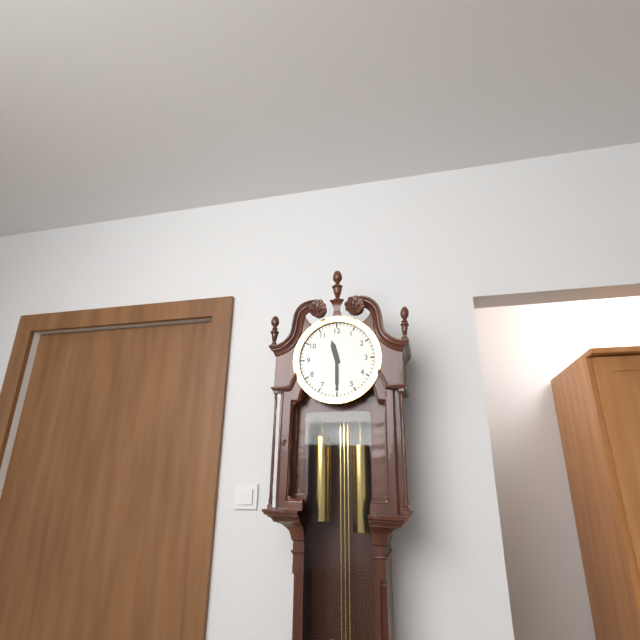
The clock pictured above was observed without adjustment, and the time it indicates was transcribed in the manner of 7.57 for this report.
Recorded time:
11.30
